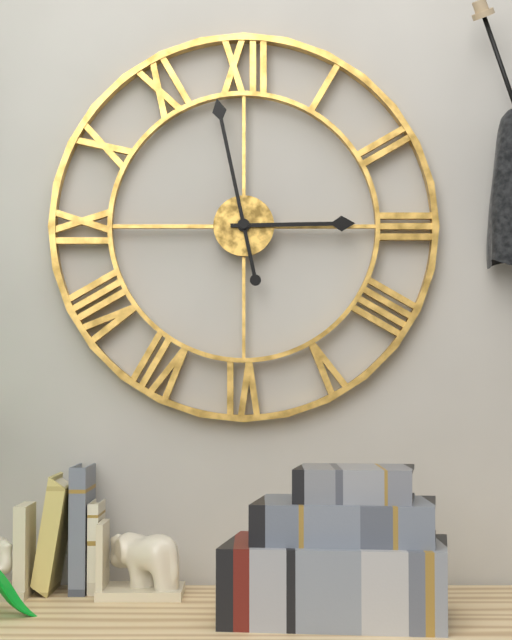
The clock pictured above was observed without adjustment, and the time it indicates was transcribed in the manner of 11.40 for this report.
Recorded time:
2.58
